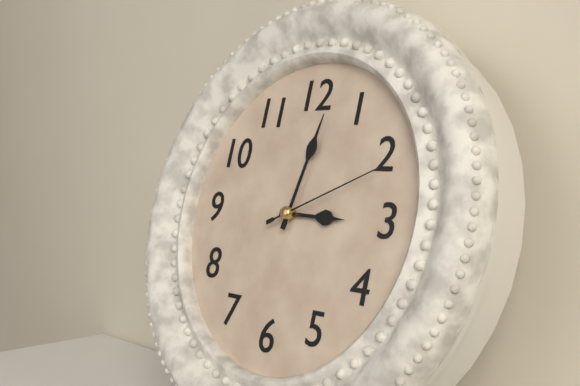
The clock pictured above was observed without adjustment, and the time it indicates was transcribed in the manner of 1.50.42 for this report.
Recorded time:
3.02.11
